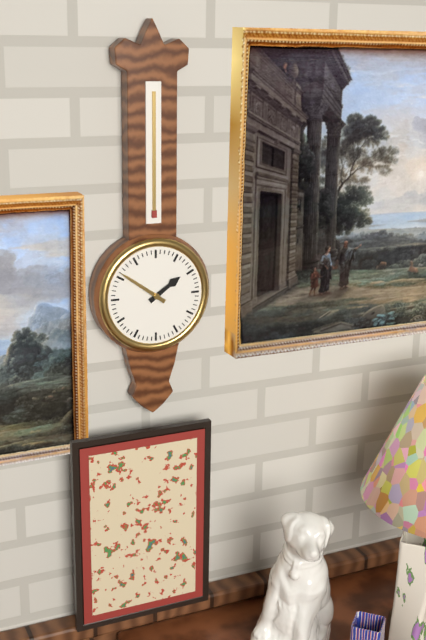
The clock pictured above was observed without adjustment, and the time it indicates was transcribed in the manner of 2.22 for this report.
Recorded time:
1.51
